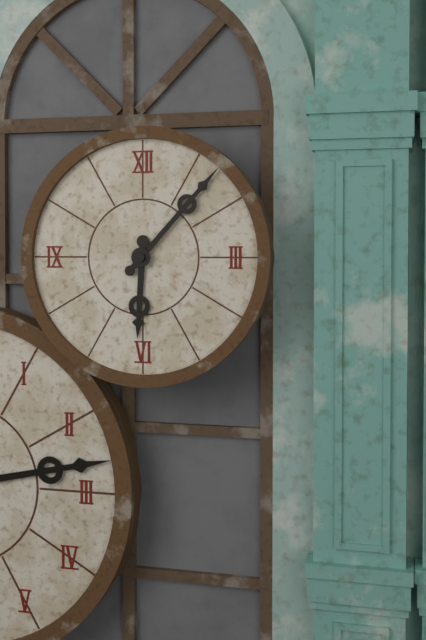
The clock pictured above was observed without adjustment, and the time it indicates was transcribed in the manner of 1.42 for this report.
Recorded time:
6.07
